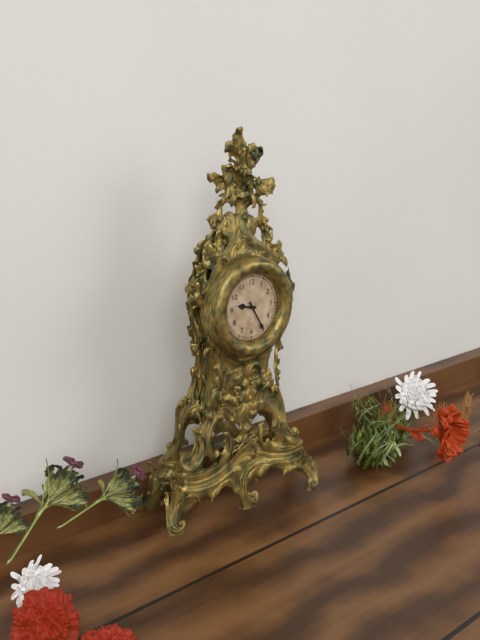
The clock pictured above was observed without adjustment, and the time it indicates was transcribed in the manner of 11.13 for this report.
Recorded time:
9.25
